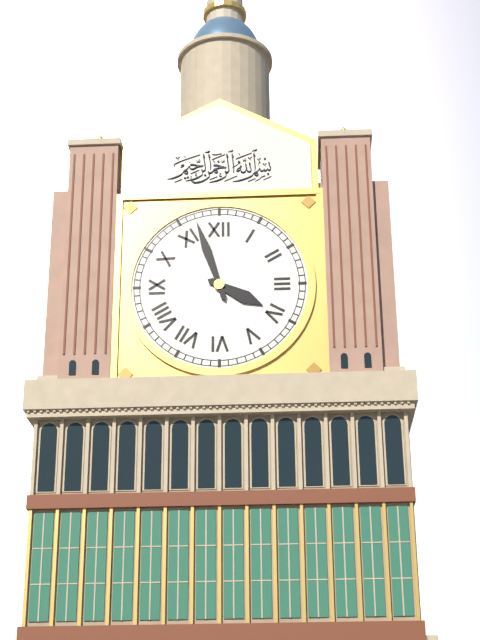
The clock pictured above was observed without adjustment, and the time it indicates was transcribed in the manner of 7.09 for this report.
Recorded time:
3.57
